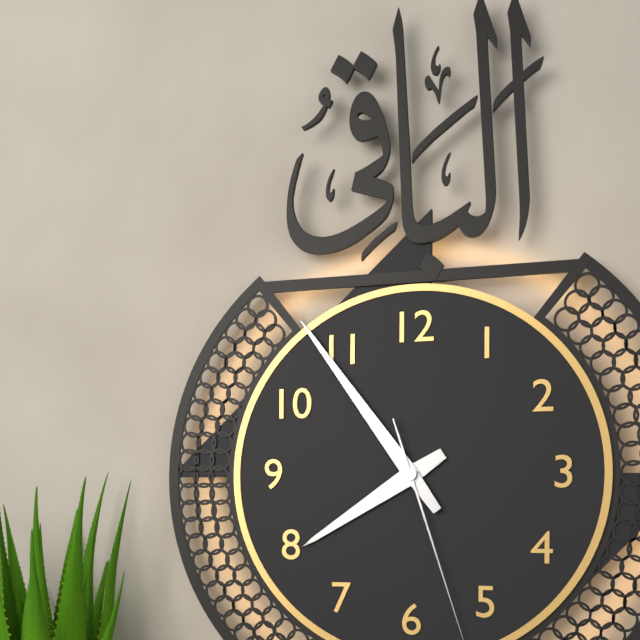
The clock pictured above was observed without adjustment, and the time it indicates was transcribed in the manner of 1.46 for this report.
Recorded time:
7.54
